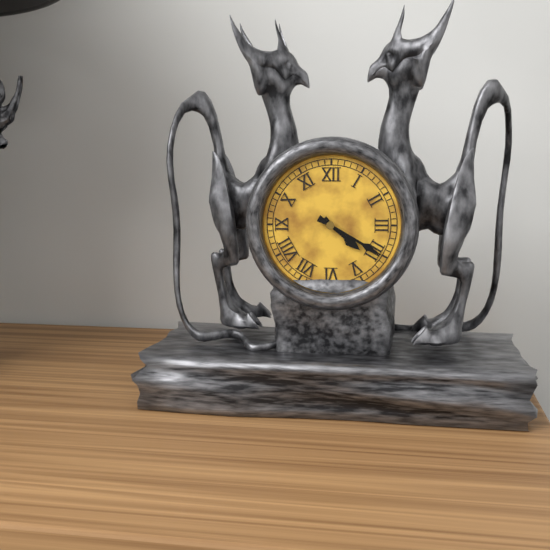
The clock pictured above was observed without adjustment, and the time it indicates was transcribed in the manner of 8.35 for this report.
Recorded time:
4.20
